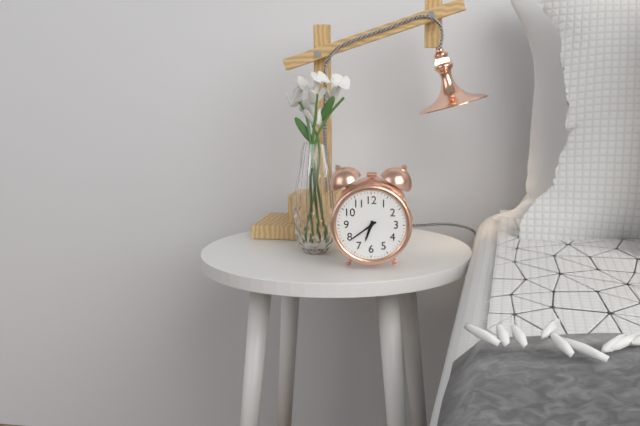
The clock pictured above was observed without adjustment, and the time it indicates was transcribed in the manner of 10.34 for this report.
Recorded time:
6.39
